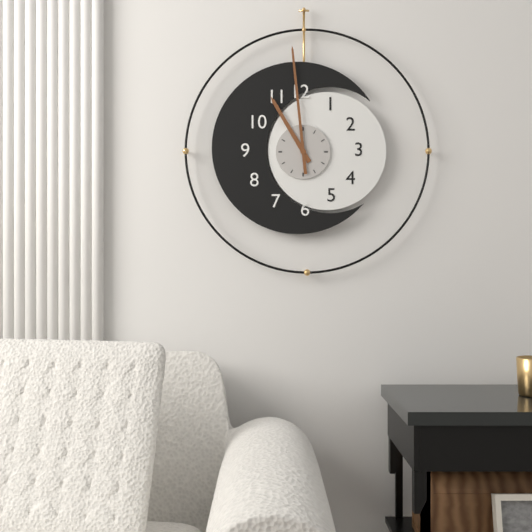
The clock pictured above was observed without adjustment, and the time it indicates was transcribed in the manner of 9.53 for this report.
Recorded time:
10.59
